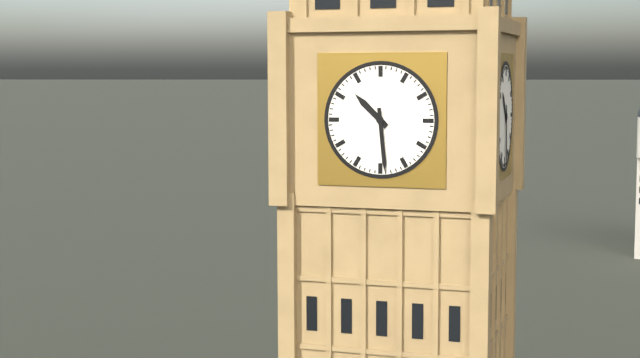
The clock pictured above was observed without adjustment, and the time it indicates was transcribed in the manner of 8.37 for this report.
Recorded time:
10.29
